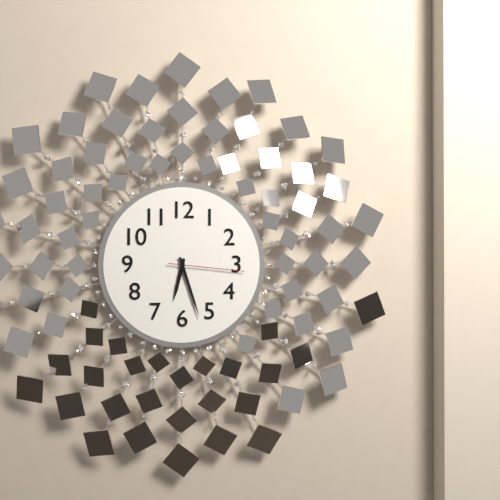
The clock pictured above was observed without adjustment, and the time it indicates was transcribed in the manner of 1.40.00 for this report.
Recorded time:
6.27.16
